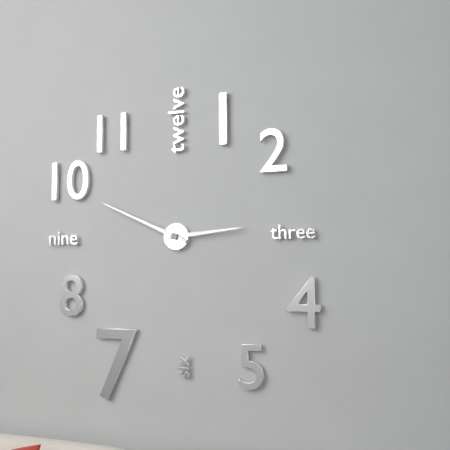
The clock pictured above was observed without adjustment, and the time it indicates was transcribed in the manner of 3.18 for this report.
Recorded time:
2.49
